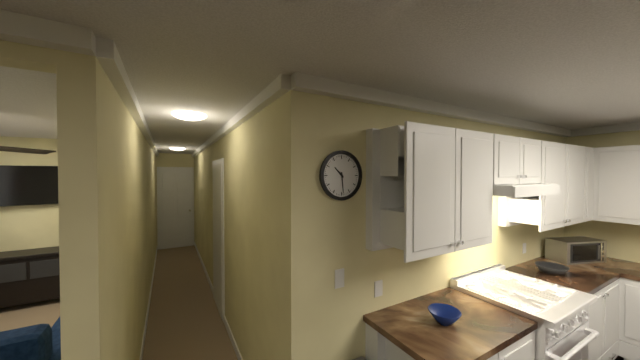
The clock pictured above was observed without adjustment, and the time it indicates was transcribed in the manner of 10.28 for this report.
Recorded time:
10.29
